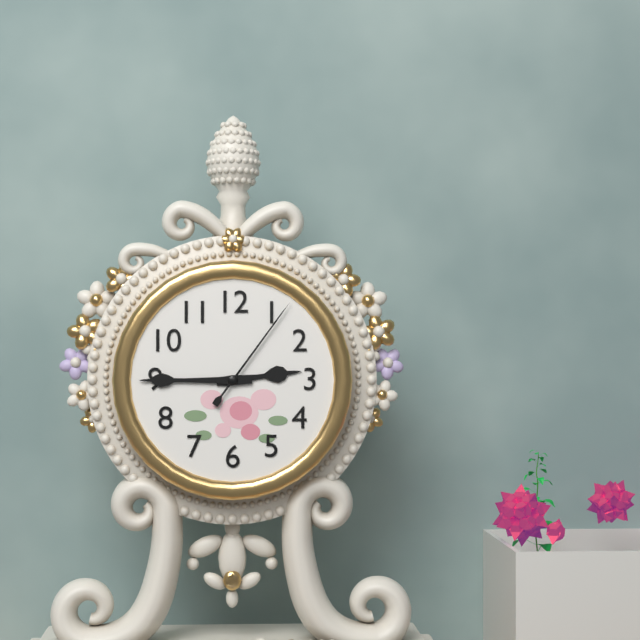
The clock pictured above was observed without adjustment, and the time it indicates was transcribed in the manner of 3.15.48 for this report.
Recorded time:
2.45.06
